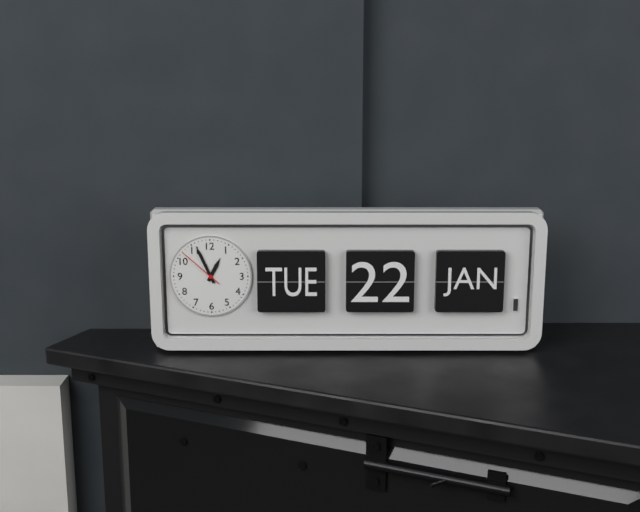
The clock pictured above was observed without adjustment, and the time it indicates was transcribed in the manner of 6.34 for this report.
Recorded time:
12.56
